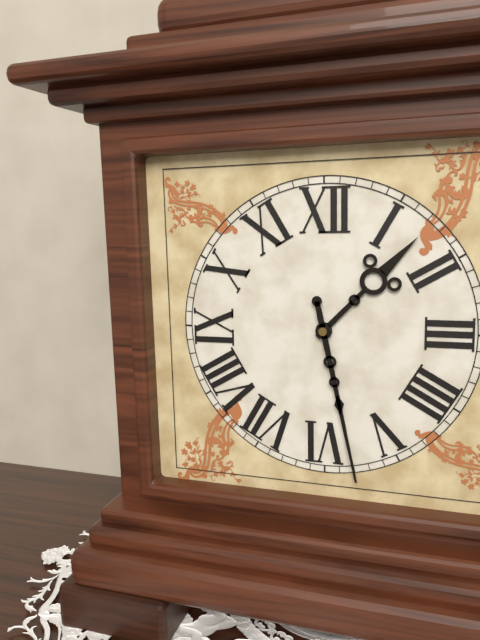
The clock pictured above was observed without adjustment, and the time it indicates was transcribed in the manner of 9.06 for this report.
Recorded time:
1.28
